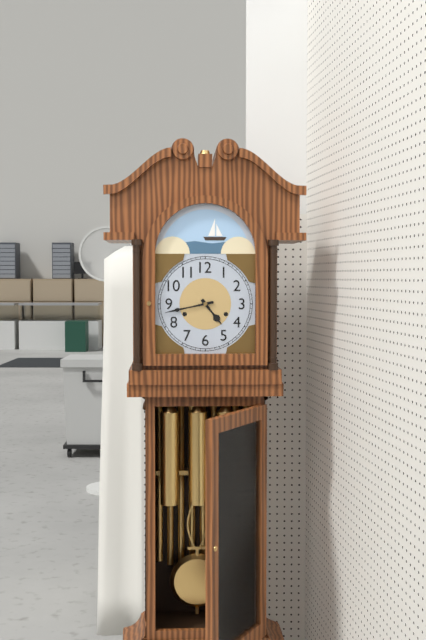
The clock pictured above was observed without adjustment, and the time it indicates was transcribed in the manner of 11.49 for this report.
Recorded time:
4.43
